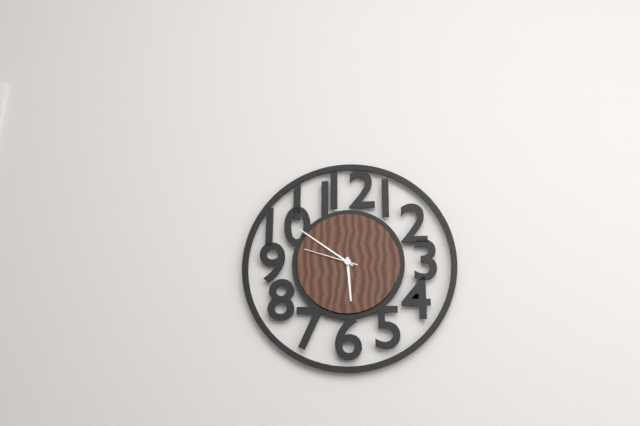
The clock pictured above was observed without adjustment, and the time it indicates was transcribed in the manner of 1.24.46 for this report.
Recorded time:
5.51.48
